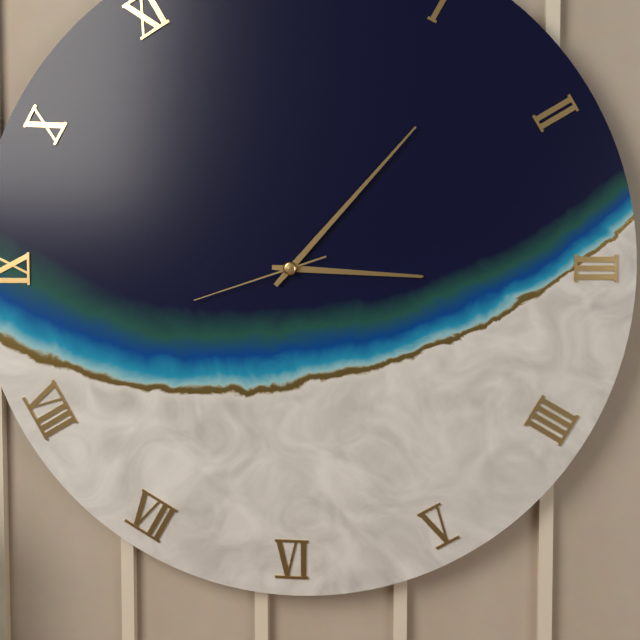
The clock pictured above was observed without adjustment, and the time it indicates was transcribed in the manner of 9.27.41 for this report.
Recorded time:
3.07.42
